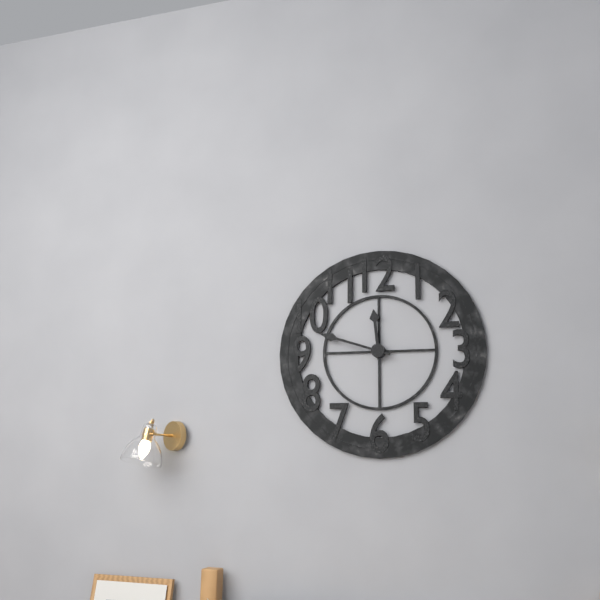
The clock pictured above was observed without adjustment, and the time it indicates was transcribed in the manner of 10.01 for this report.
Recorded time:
11.48
